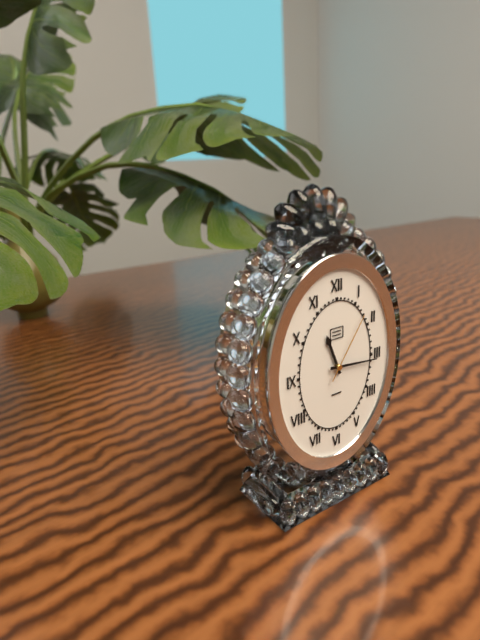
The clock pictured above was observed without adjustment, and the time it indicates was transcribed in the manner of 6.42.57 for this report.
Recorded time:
11.16.06
